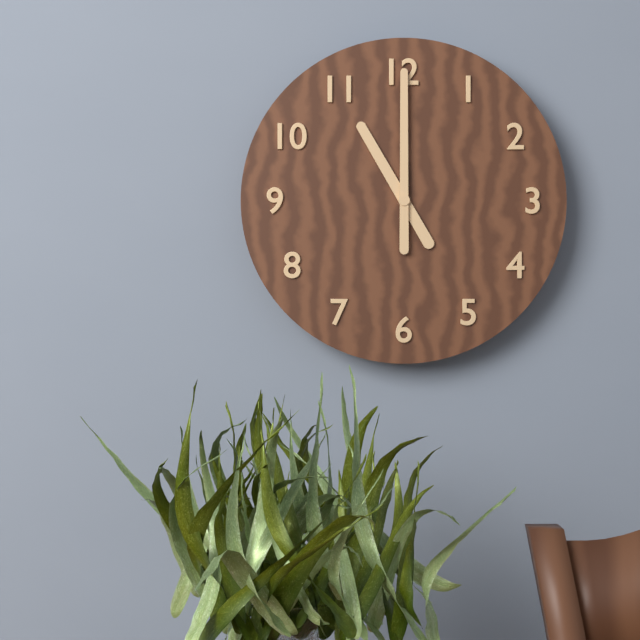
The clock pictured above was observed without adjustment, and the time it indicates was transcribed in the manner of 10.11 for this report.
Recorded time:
11.00
